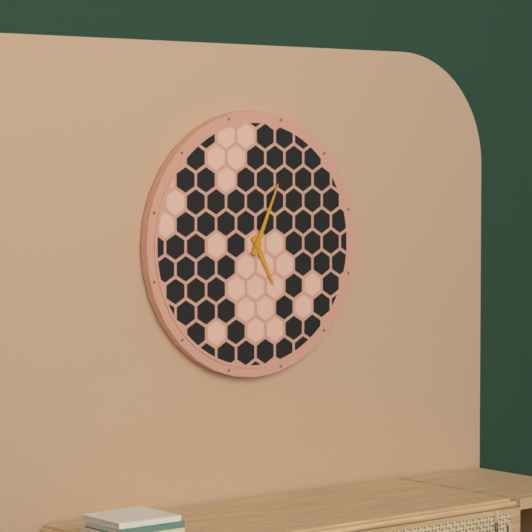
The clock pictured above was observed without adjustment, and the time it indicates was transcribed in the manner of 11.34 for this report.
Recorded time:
5.04
